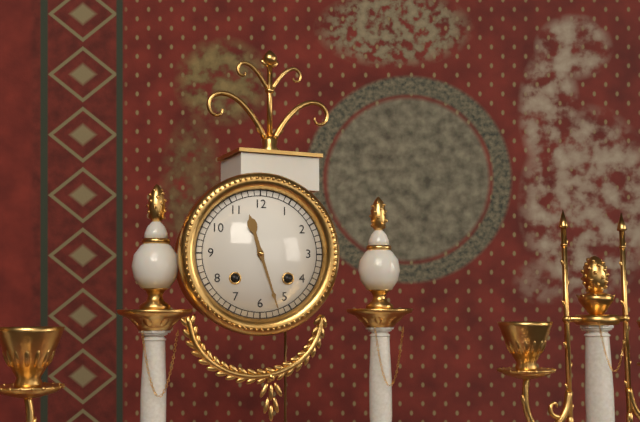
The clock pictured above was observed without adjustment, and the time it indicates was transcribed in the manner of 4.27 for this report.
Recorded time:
11.27
